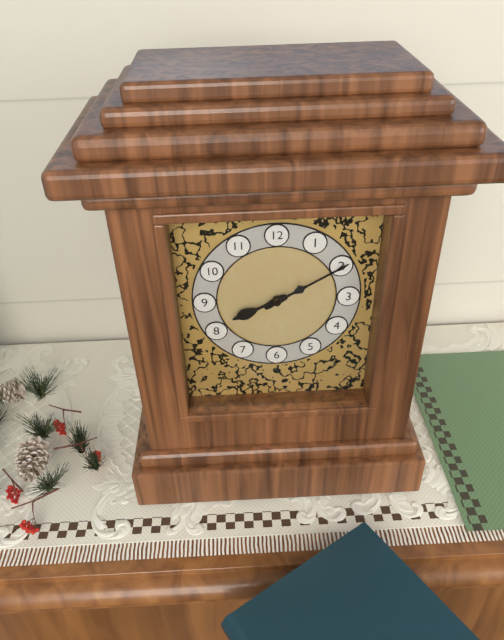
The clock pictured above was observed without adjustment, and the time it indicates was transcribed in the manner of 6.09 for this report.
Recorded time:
8.10
